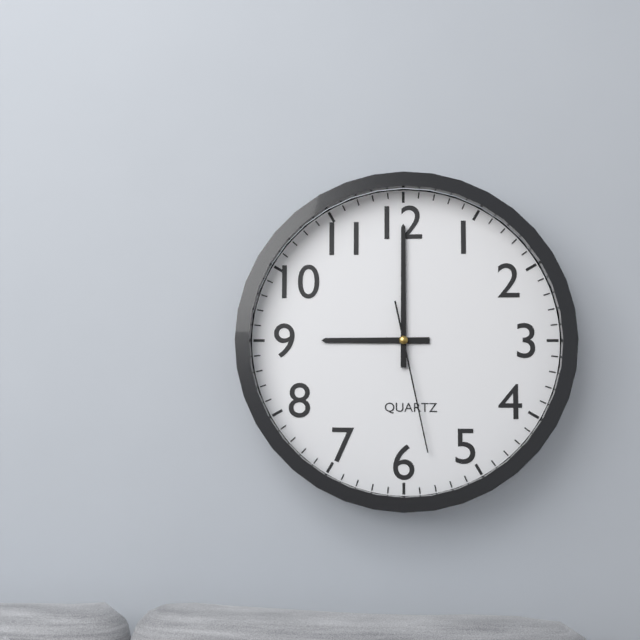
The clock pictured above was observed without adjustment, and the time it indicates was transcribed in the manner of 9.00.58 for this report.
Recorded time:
9.00.28
